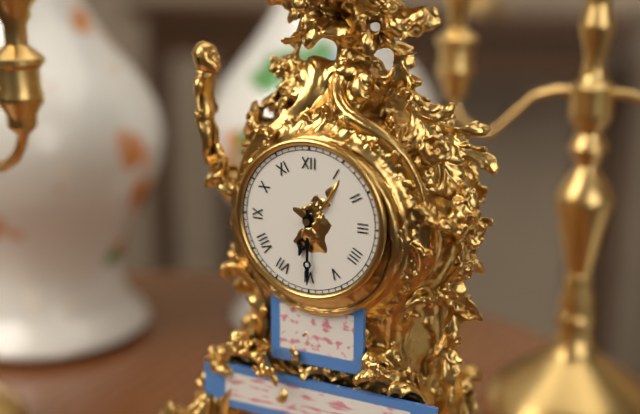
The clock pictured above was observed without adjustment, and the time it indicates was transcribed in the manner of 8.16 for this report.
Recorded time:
6.30
